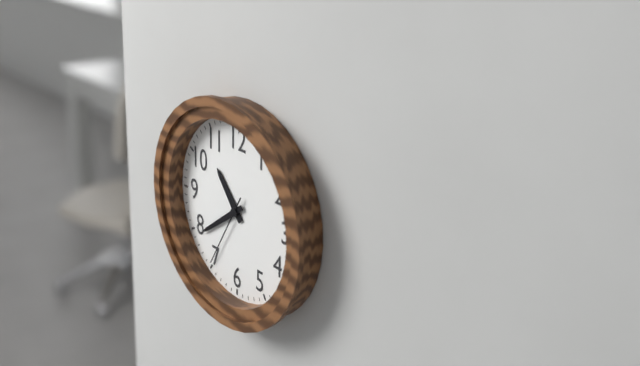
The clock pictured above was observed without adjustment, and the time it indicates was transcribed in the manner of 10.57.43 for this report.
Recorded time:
10.39.35
